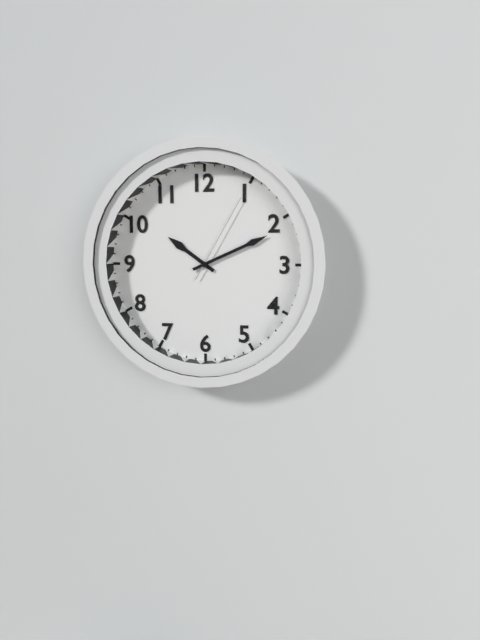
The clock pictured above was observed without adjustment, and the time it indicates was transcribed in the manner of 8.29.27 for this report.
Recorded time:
10.11.05
